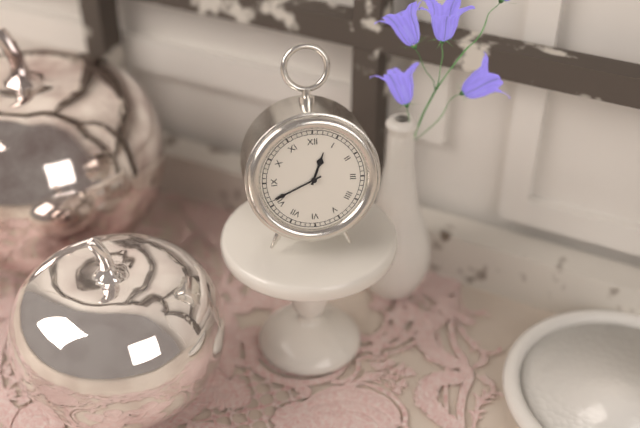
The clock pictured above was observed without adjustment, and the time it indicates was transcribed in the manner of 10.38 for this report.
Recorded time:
12.41
